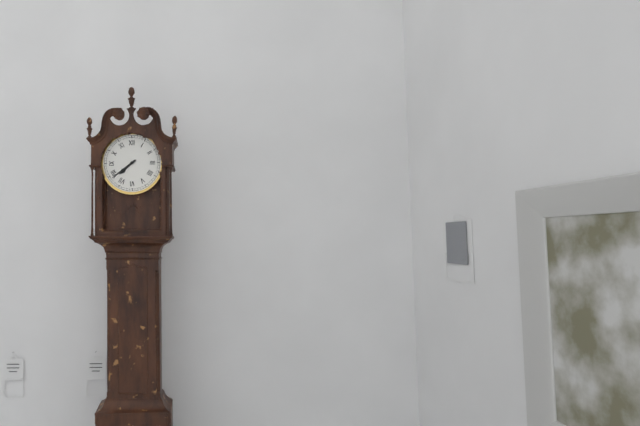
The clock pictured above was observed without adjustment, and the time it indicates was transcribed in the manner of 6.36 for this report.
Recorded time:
7.39
